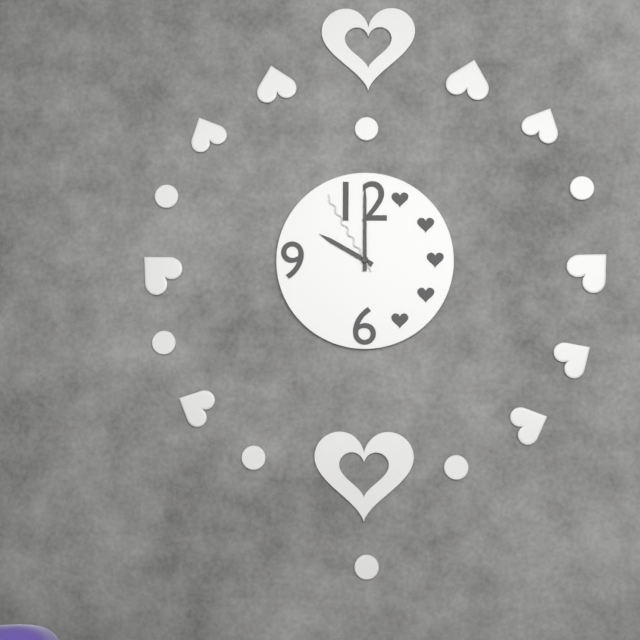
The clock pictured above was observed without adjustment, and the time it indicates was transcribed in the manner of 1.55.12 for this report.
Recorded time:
10.00.55
